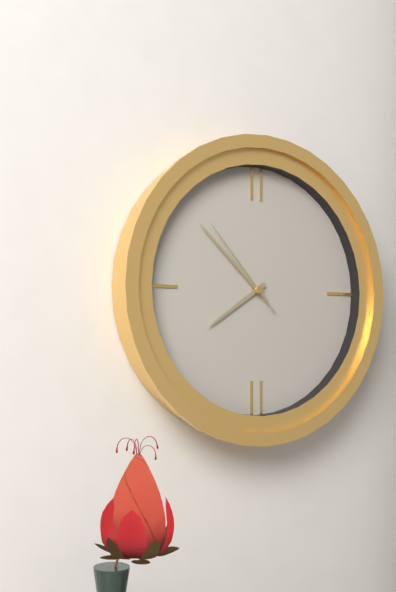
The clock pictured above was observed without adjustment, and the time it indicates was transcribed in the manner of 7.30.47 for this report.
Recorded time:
7.52.53
